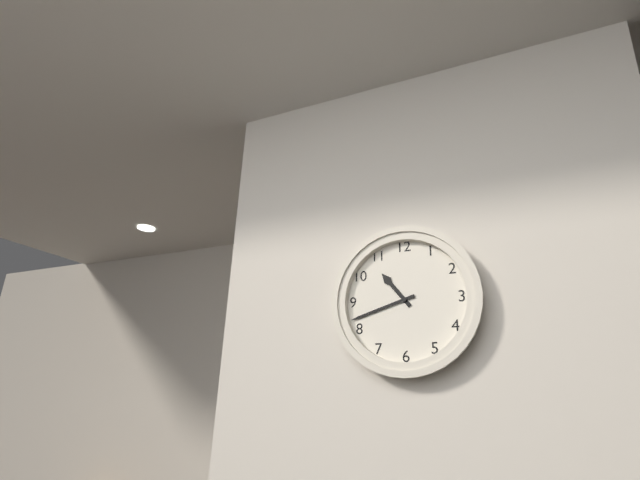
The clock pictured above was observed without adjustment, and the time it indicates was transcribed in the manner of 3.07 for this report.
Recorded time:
10.42
